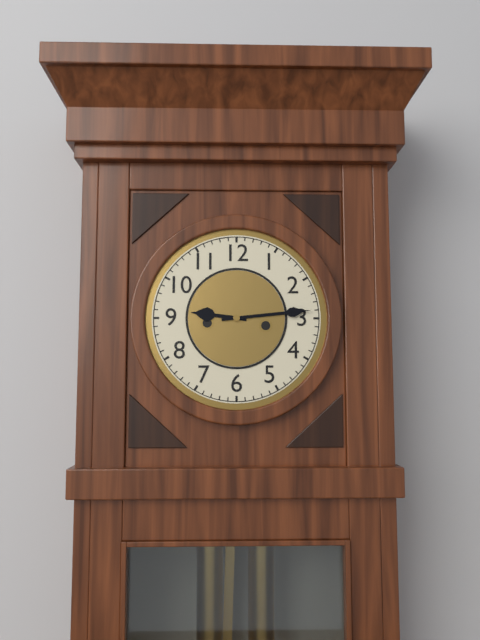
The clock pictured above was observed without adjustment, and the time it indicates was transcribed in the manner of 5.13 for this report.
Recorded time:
9.14
